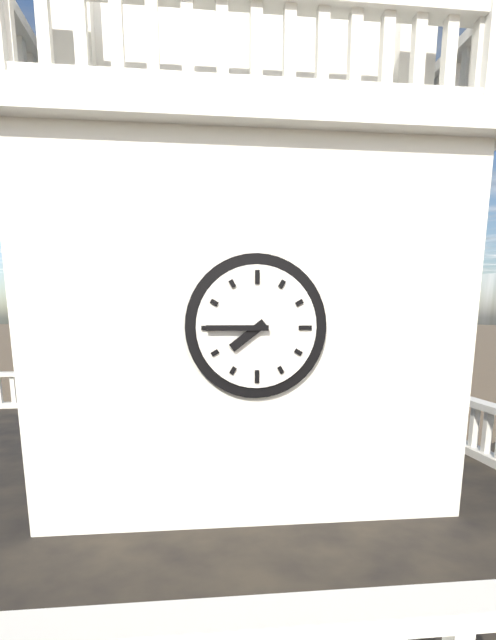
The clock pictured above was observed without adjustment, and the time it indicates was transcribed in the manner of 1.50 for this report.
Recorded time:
7.45
